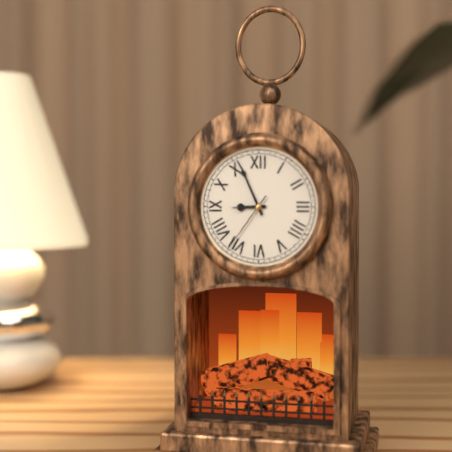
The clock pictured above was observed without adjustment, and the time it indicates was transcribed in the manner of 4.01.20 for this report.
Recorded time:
8.56.36
